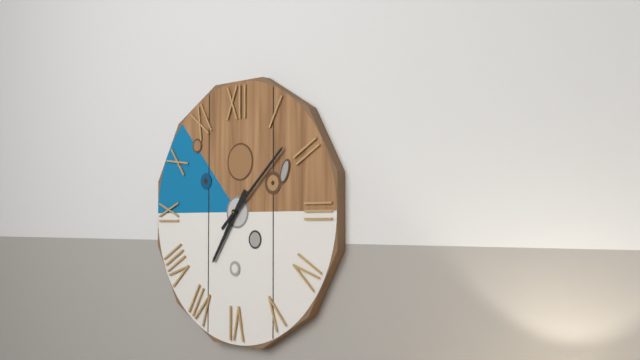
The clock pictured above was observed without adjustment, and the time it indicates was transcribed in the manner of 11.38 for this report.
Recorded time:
7.08
